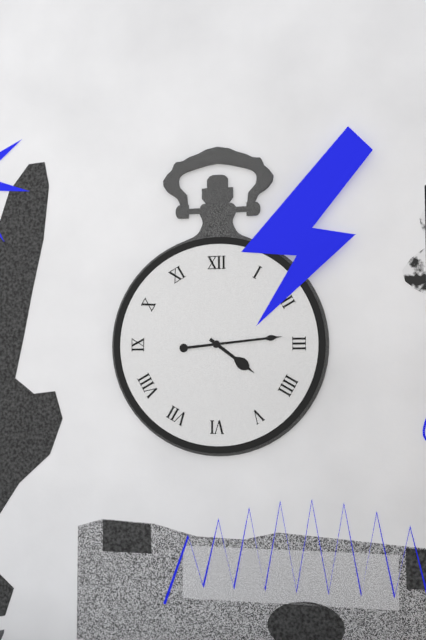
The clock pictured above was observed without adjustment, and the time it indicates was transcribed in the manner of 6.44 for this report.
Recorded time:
4.14
